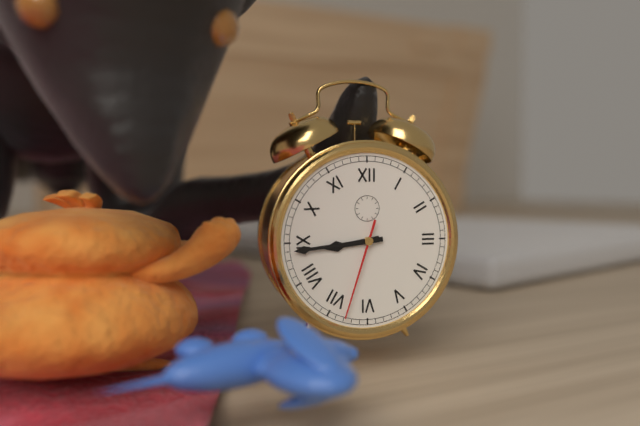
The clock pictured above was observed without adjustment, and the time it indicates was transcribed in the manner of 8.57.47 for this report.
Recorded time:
8.44.33
